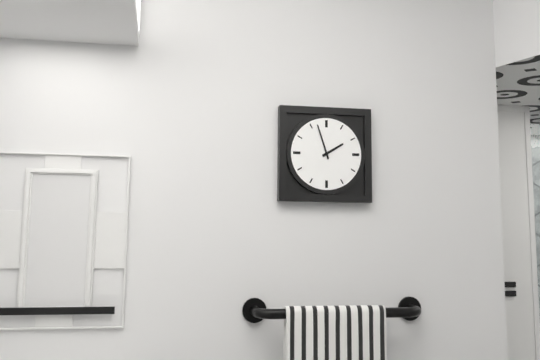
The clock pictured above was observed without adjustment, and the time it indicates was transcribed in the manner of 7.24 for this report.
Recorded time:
1.57
